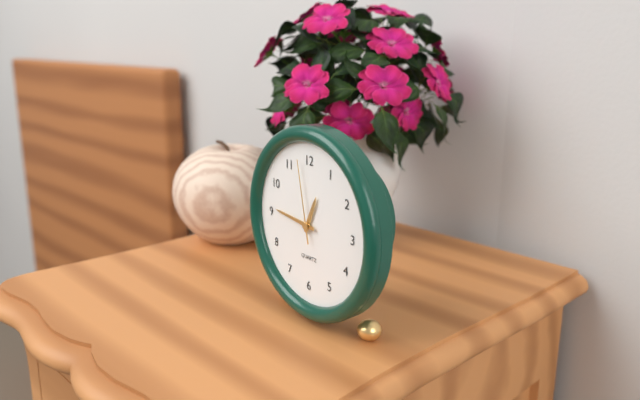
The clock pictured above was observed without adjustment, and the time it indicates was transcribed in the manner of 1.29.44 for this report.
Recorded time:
12.46.58
